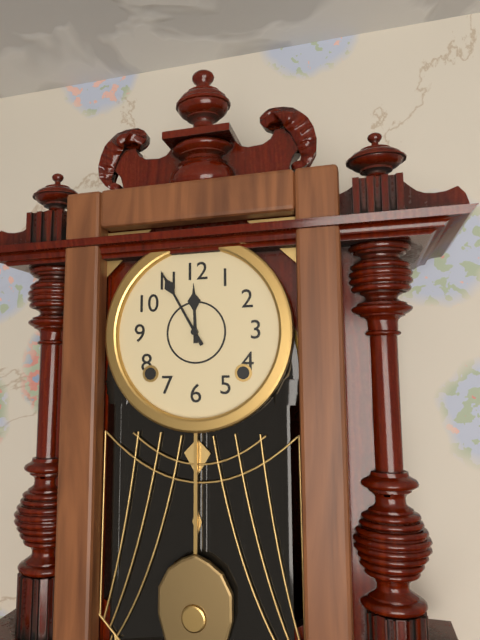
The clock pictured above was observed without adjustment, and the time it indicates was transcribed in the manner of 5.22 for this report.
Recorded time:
11.55
